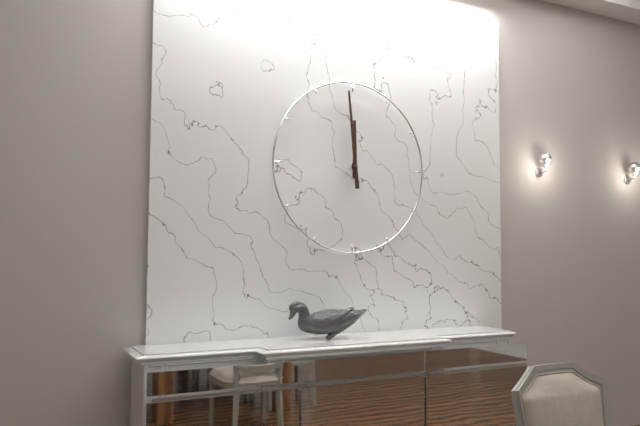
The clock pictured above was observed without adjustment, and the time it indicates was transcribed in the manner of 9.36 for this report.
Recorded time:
11.59
